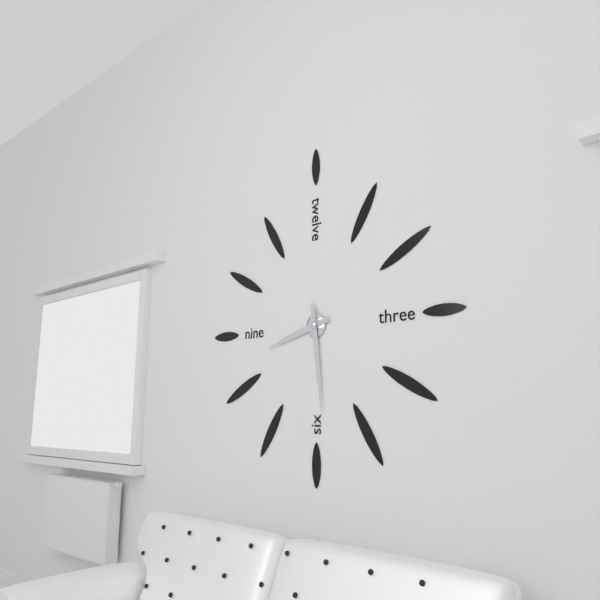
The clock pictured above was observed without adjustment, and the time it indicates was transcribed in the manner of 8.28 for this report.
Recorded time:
8.29
